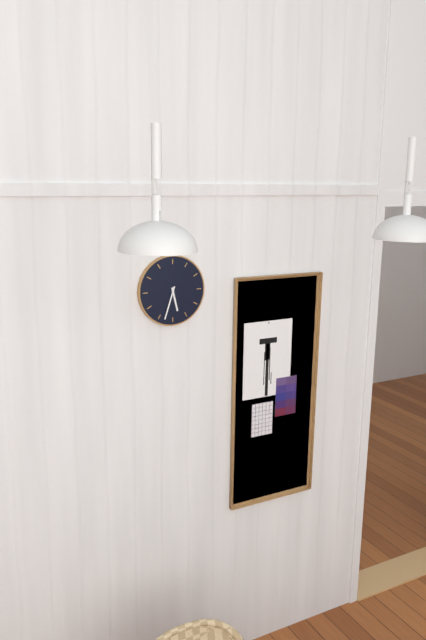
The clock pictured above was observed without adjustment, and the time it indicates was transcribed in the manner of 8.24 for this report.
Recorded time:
5.33
